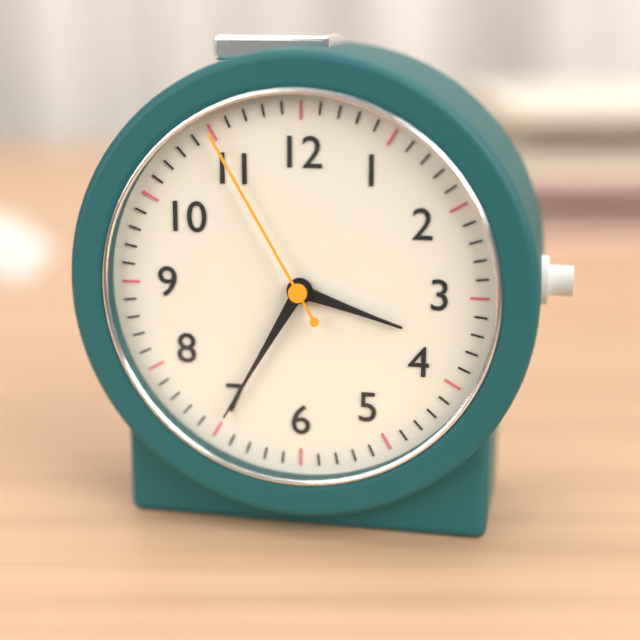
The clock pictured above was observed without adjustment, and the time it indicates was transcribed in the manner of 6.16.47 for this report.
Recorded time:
3.35.55
